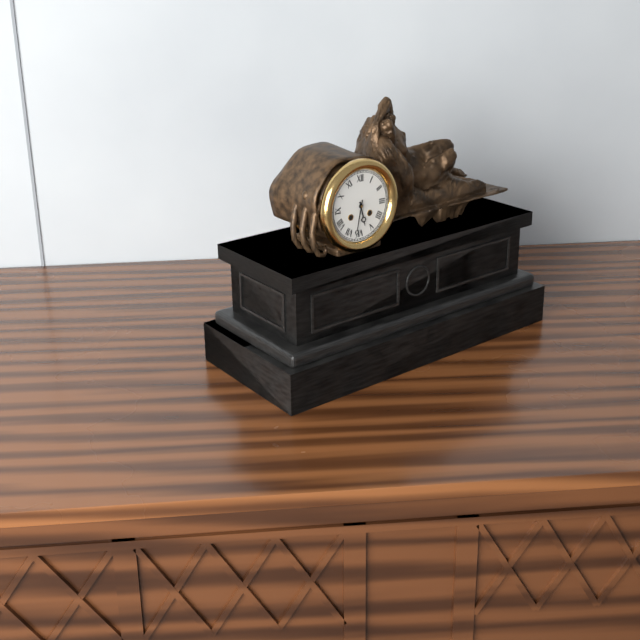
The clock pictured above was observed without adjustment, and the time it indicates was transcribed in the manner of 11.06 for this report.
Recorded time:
5.32
